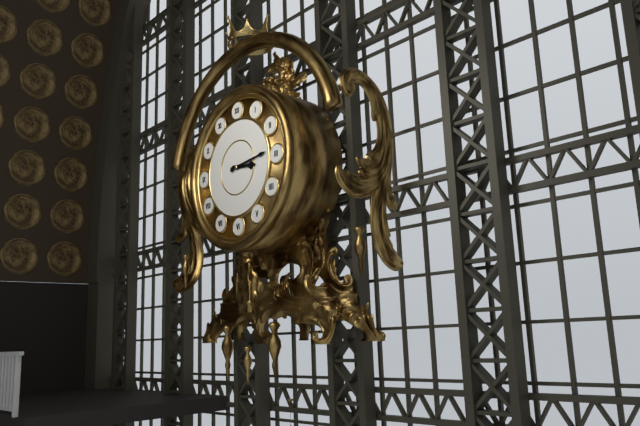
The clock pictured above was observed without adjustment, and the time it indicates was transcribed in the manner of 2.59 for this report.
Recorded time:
3.14
